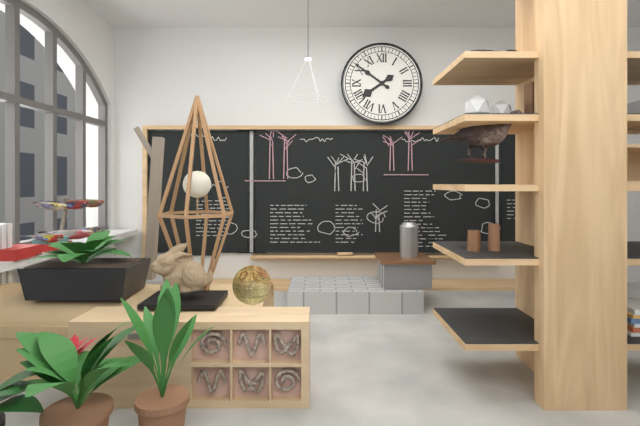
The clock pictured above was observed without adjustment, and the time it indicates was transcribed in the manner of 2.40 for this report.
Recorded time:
7.51
